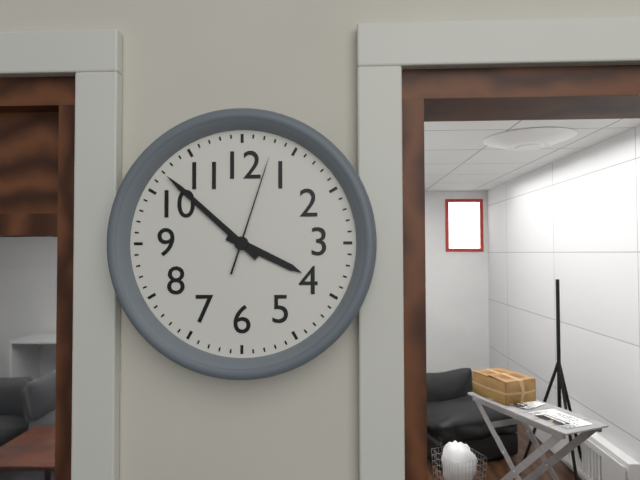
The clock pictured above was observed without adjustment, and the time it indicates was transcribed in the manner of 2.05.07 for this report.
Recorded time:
3.52.03
